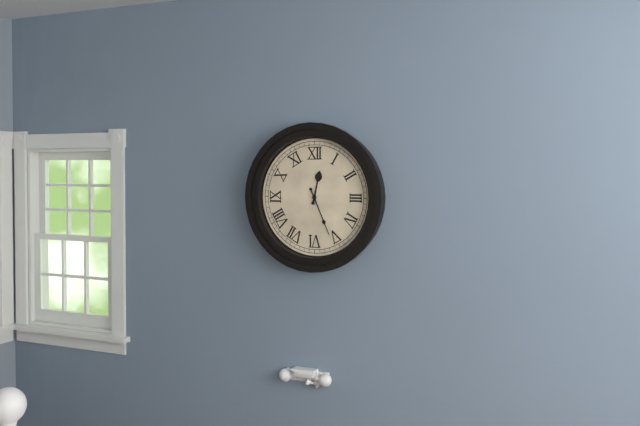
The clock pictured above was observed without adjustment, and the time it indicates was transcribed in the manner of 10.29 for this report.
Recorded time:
12.26
